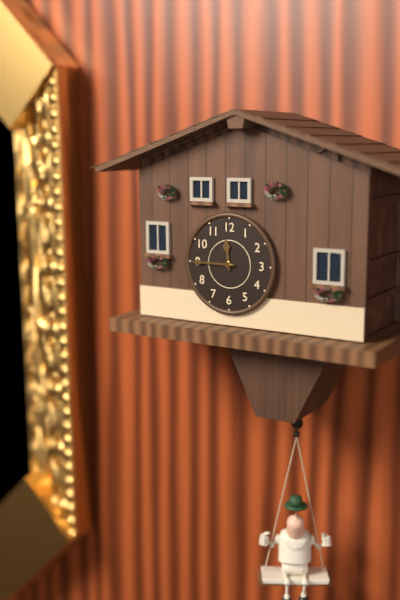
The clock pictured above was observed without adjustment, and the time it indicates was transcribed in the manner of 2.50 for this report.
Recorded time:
11.45
